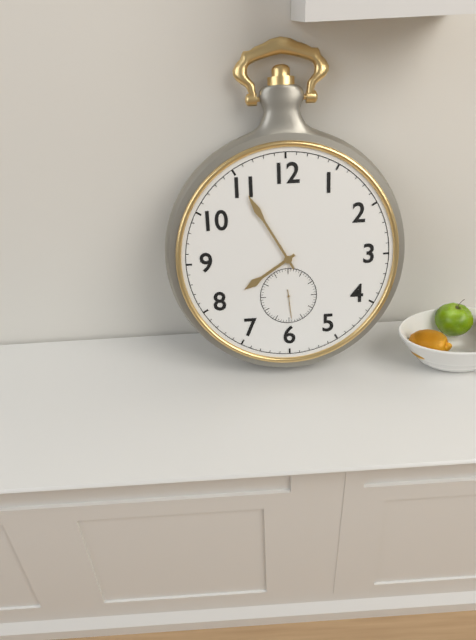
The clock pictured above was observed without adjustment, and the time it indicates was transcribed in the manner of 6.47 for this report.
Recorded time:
7.55
